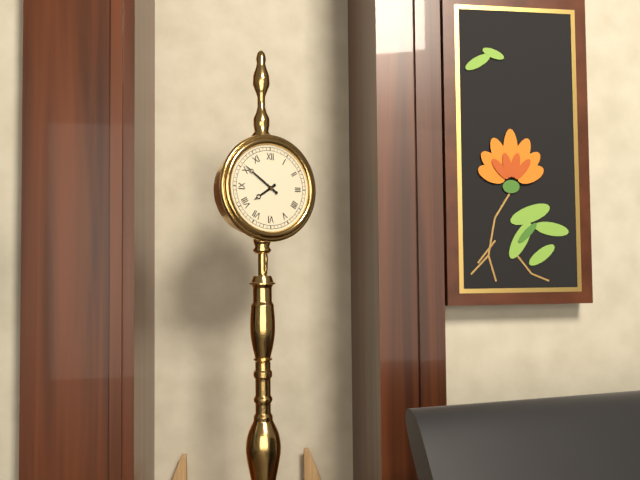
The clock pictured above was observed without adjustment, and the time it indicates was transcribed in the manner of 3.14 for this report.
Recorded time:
7.51
